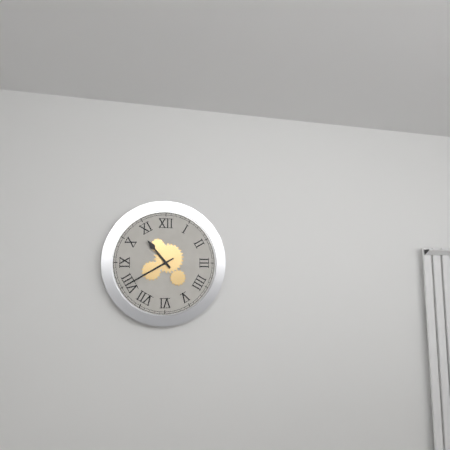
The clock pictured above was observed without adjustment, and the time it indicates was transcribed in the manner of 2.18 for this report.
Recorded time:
10.40
